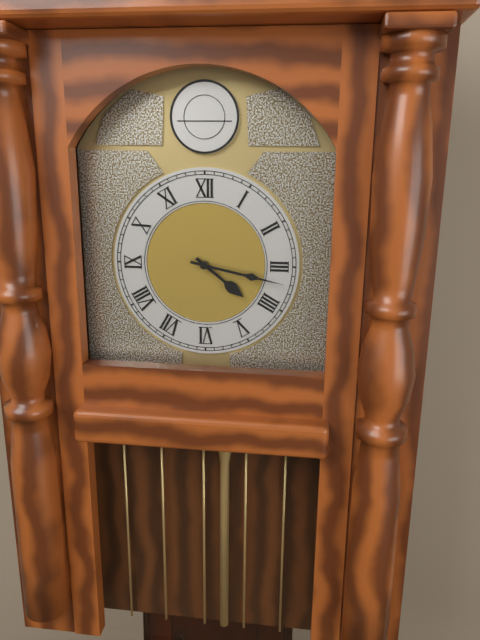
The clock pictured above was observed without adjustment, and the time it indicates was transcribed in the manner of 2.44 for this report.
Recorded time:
4.17
